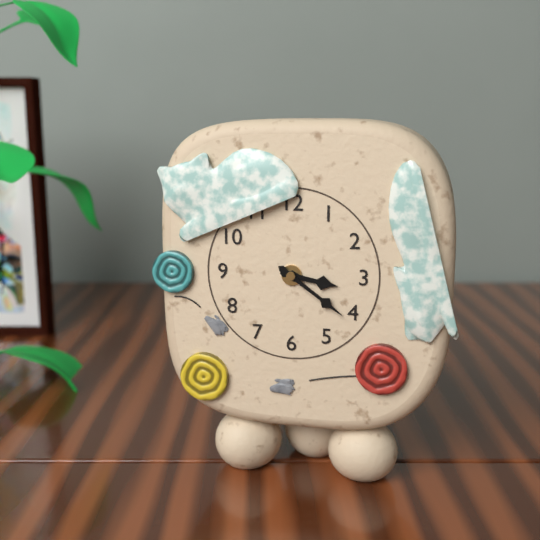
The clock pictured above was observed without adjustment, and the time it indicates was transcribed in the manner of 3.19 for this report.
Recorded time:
3.21
